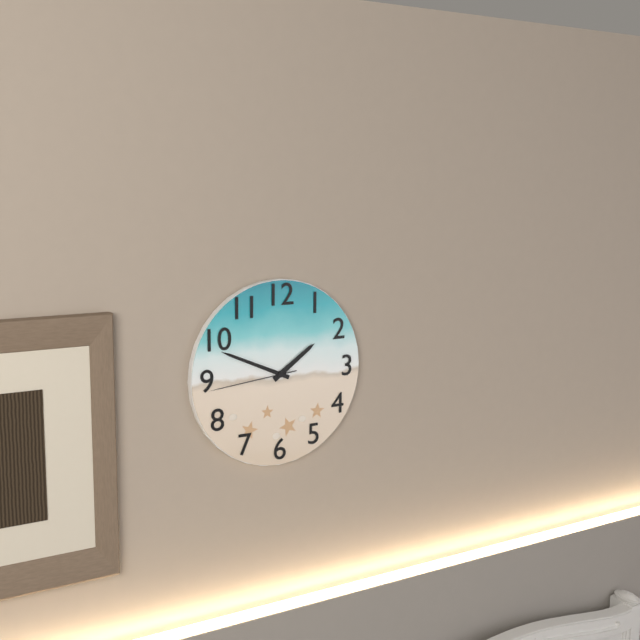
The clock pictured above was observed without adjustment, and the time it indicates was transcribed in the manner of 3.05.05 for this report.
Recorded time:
1.49.44
